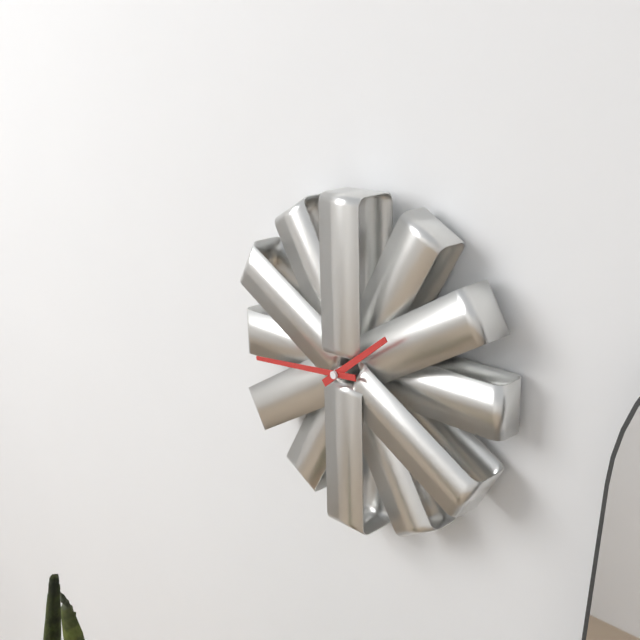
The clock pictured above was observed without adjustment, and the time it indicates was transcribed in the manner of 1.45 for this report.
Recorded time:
1.44
